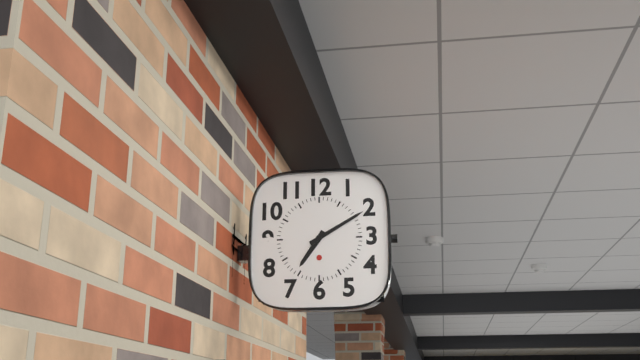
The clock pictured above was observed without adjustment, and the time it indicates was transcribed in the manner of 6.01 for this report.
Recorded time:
7.10
